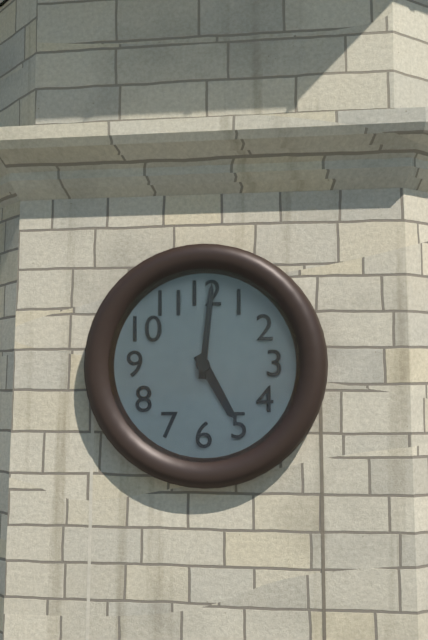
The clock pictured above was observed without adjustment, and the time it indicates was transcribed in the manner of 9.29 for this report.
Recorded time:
5.01
